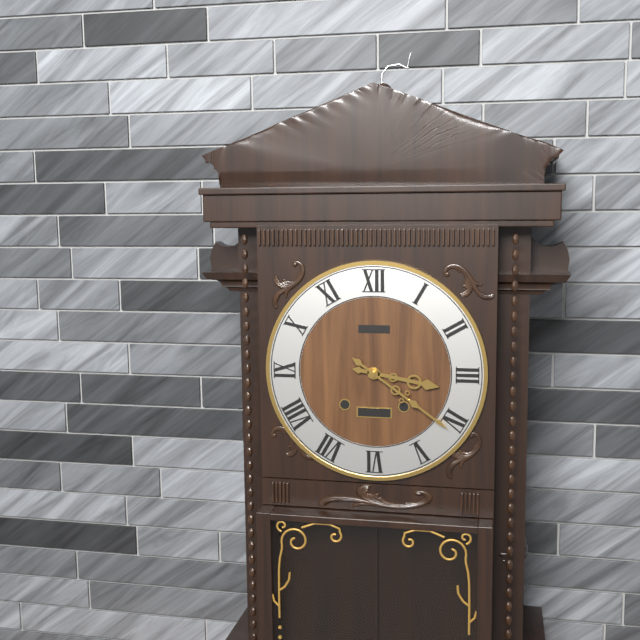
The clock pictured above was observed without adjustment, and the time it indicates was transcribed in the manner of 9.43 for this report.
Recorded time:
3.21
